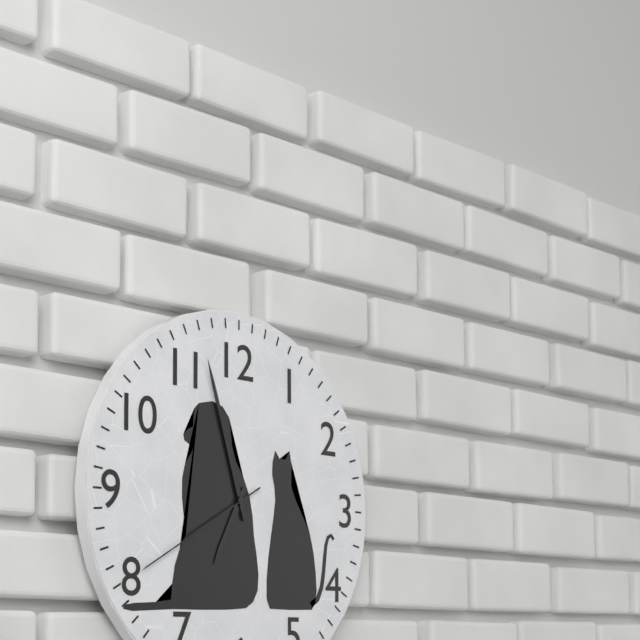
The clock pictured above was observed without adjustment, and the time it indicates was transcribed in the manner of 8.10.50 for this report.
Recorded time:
6.57.40
